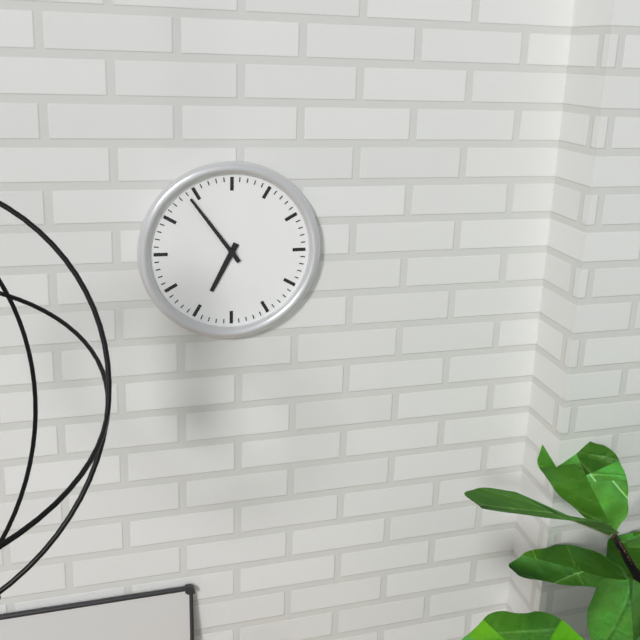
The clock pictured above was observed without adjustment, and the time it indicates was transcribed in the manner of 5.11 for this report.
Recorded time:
6.54
